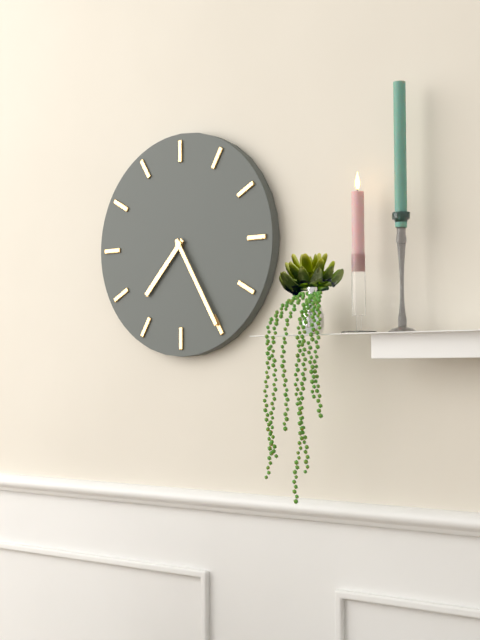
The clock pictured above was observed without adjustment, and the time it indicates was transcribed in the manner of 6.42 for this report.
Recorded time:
7.25
